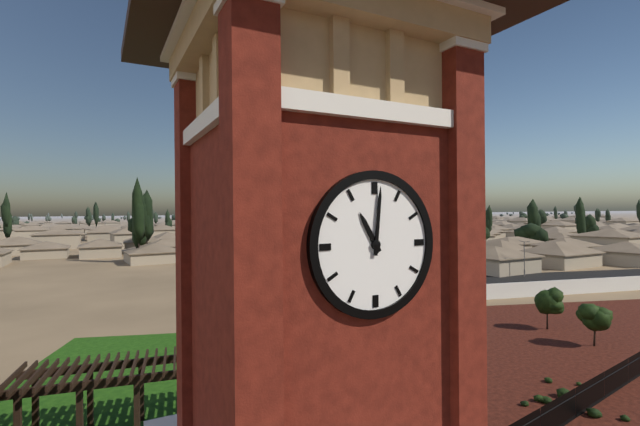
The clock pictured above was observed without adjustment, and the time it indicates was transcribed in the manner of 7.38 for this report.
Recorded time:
11.01
